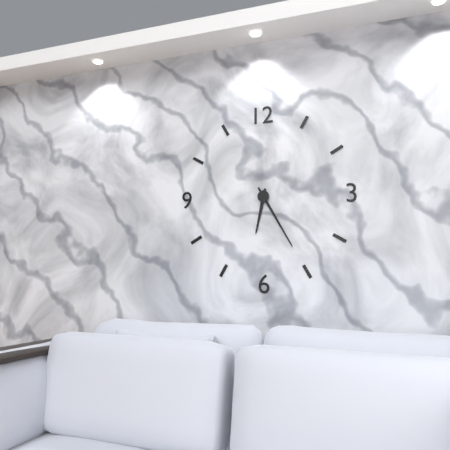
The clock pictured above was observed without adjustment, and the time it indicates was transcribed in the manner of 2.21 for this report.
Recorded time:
6.25
